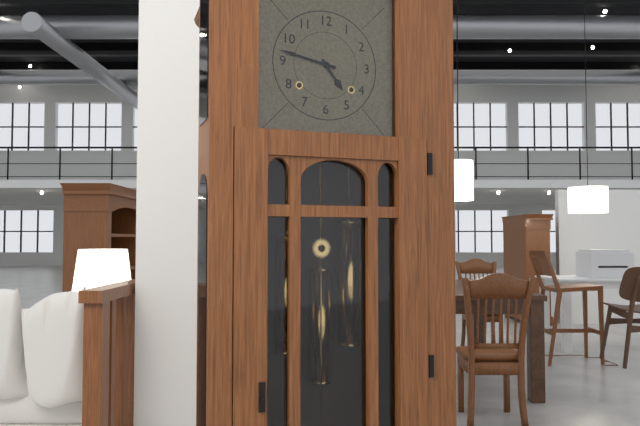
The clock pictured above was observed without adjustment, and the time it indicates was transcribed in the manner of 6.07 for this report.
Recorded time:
4.47
